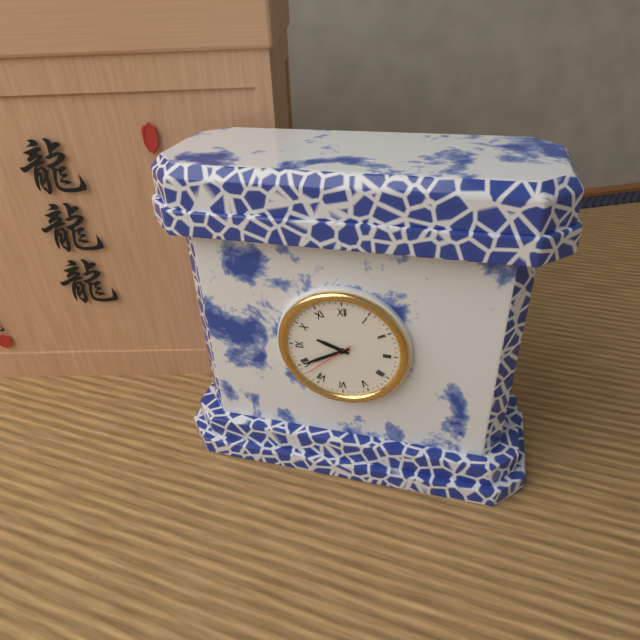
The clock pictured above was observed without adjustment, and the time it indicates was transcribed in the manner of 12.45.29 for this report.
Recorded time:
9.40.38
